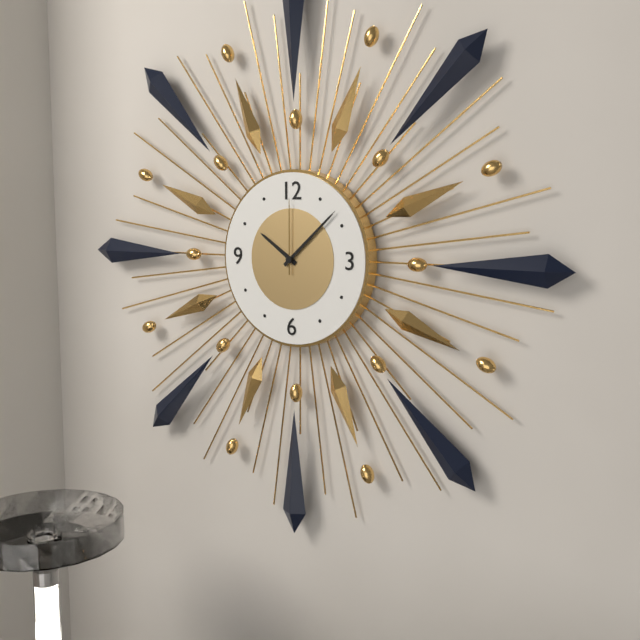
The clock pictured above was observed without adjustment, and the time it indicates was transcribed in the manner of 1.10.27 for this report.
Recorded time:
10.08.00
